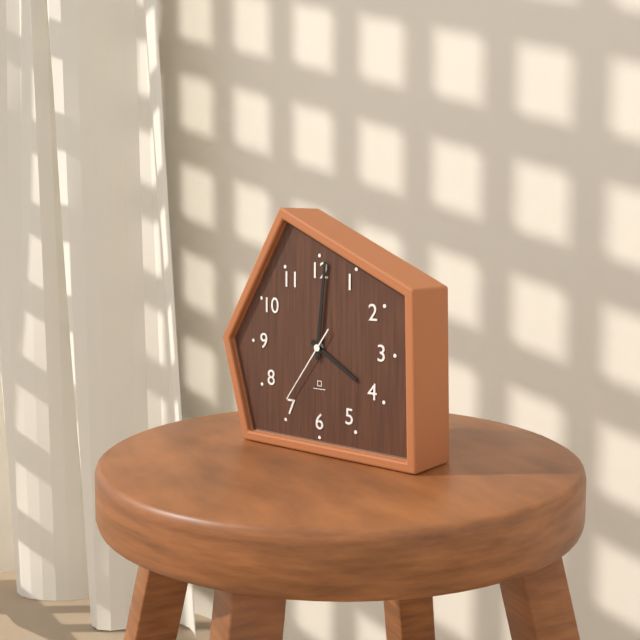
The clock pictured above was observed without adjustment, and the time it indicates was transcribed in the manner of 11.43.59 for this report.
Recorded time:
4.01.36
